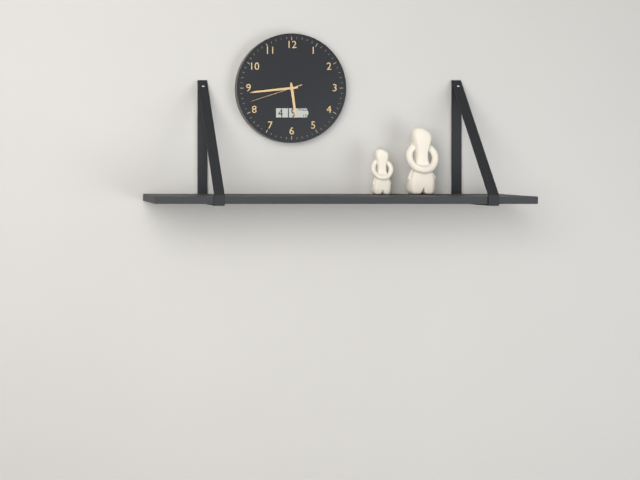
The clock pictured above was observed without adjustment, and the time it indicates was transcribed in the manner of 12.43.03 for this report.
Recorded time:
5.44.42
